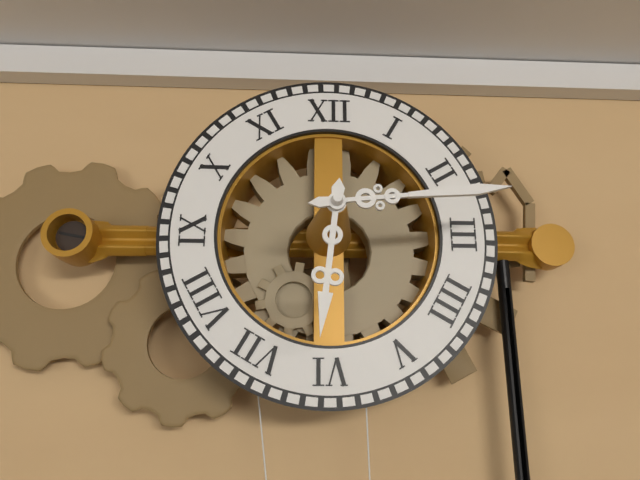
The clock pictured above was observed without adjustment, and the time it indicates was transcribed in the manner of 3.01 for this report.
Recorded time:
6.14
